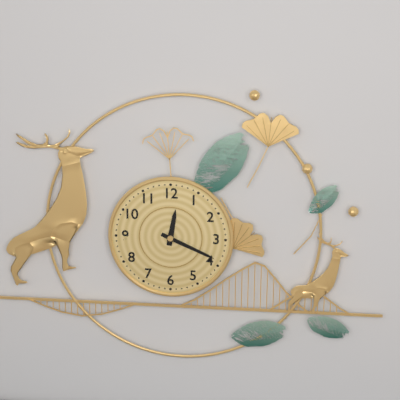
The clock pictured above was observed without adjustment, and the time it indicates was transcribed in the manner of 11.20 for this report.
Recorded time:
12.19
